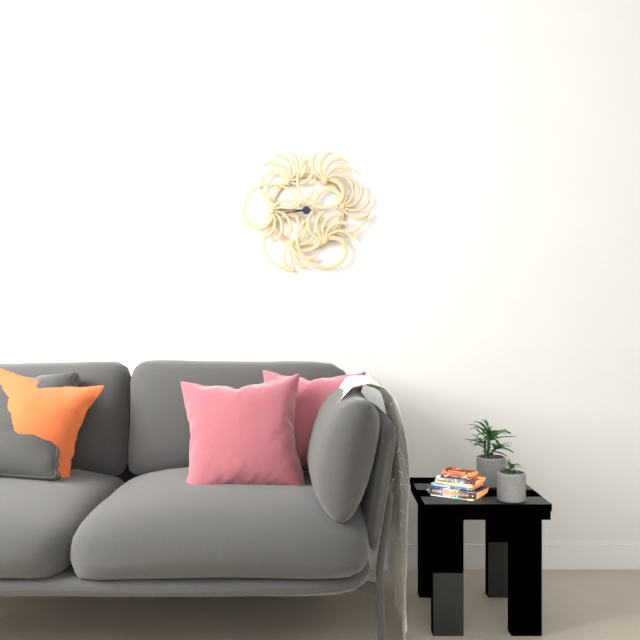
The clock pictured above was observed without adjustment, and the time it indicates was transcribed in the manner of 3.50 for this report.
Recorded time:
8.45
